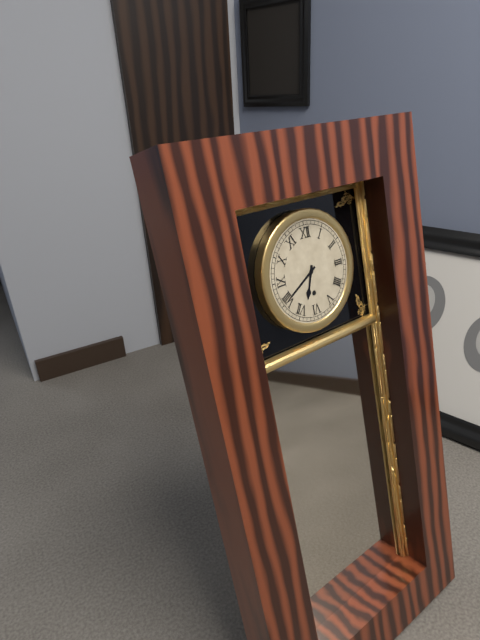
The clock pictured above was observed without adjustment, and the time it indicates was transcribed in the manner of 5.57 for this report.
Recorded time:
6.40
